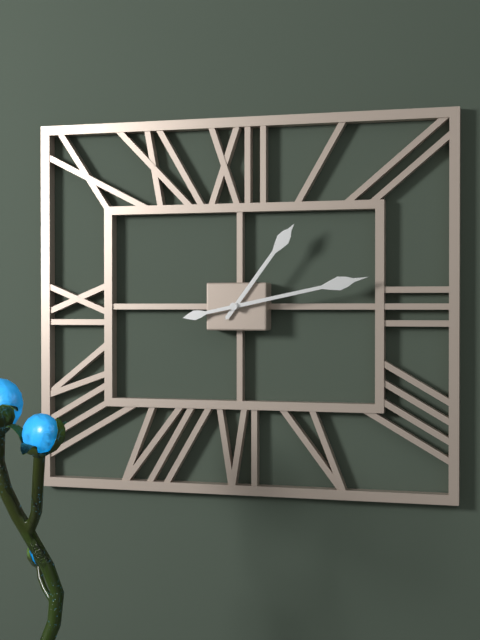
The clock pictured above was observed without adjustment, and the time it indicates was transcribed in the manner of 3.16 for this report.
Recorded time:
1.13
